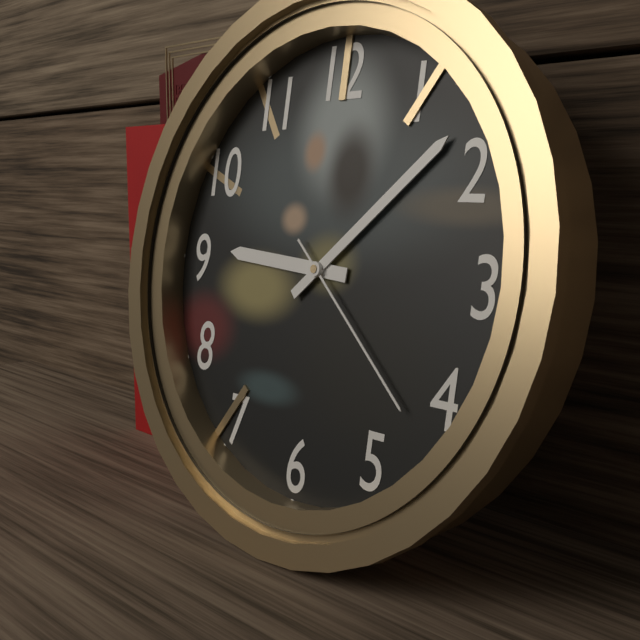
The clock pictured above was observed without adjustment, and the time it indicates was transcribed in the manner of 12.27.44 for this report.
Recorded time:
9.08.22
